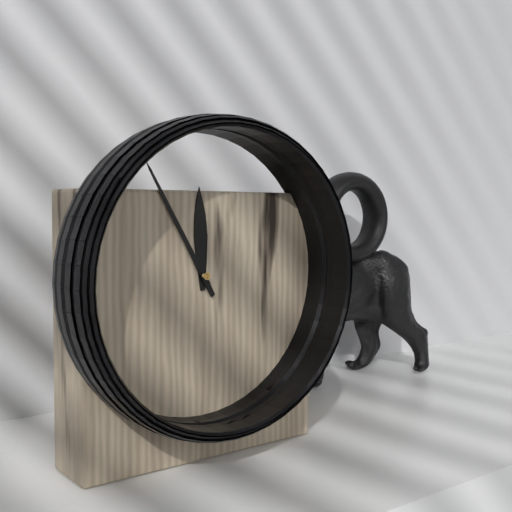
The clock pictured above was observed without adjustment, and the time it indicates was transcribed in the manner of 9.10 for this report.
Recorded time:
11.55
